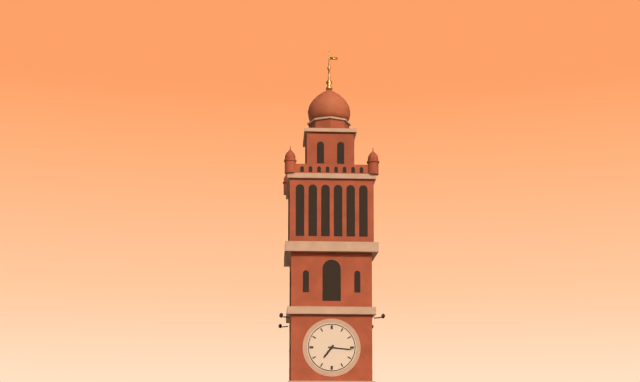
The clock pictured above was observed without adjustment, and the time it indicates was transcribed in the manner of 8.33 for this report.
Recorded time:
7.16
